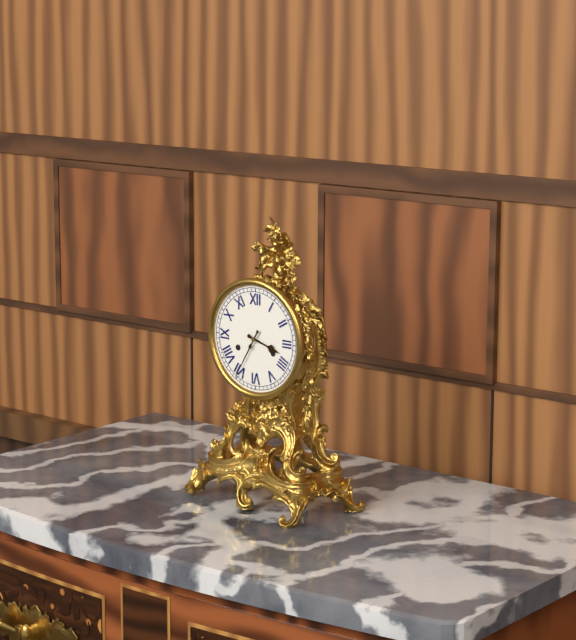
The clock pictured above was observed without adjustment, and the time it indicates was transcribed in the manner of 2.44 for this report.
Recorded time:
3.35
